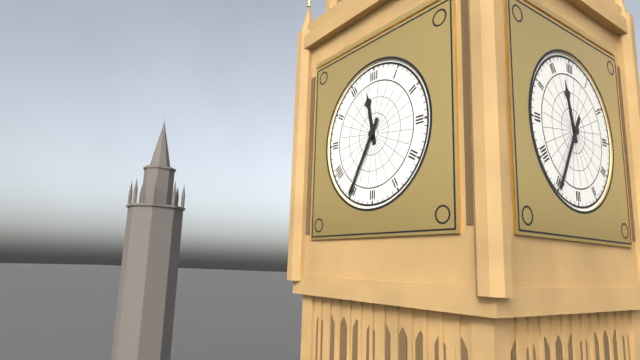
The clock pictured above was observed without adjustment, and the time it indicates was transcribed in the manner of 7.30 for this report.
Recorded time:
11.35
